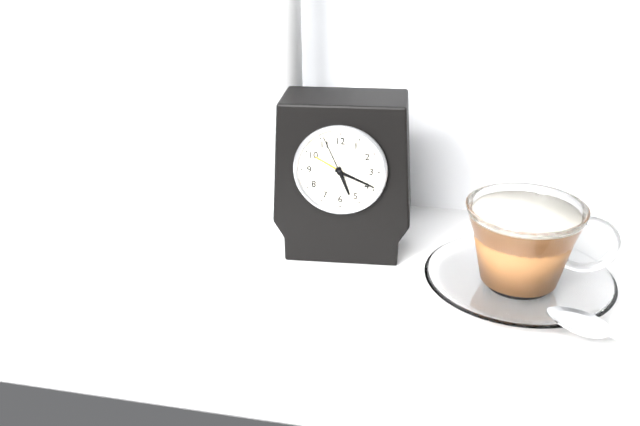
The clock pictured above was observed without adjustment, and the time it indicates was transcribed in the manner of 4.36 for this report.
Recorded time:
5.19
